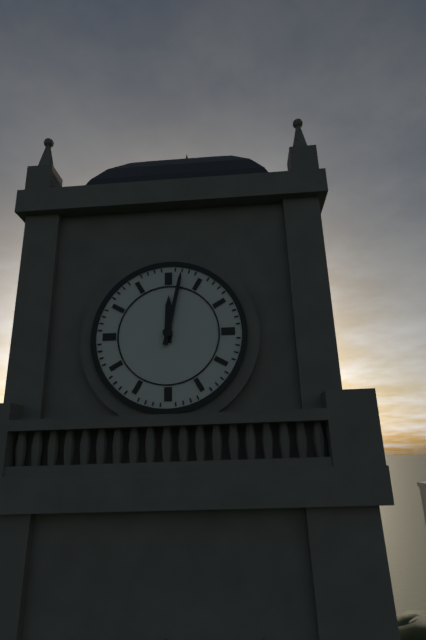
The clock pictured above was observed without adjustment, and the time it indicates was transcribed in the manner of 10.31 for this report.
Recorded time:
12.02
